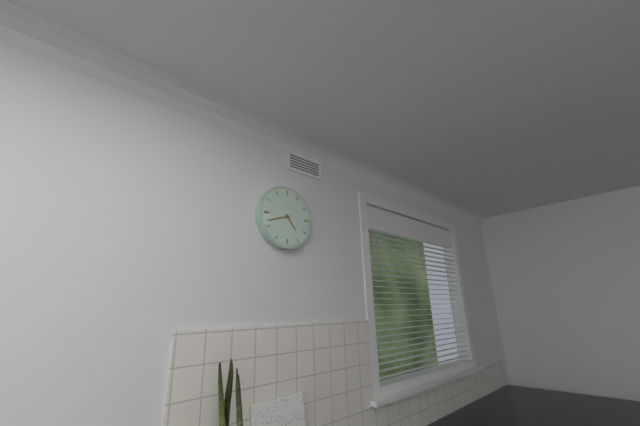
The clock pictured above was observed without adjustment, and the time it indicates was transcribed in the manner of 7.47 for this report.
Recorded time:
4.42
